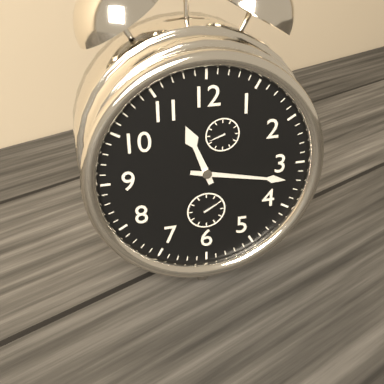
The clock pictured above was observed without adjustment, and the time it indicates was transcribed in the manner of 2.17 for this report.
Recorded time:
11.17
